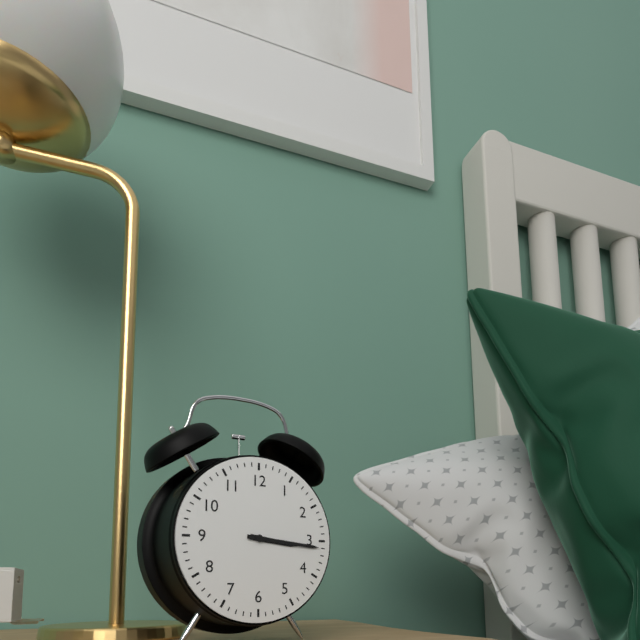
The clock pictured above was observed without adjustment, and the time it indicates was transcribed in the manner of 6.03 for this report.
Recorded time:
3.16
